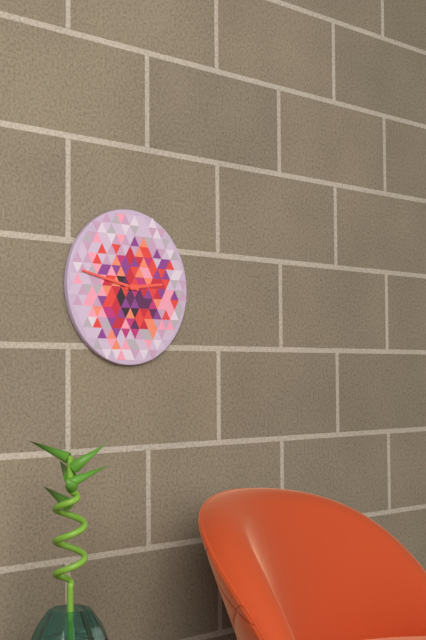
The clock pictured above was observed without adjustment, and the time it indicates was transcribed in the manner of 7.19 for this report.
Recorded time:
2.47
